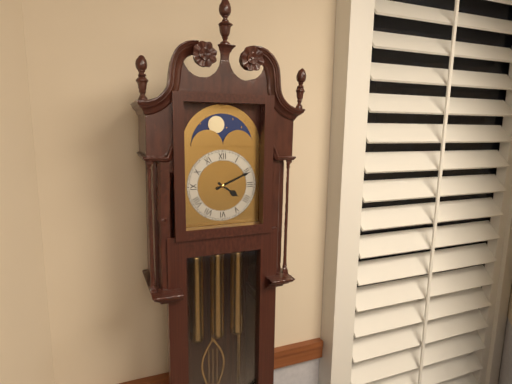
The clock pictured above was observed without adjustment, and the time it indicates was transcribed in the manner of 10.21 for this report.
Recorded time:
4.11
